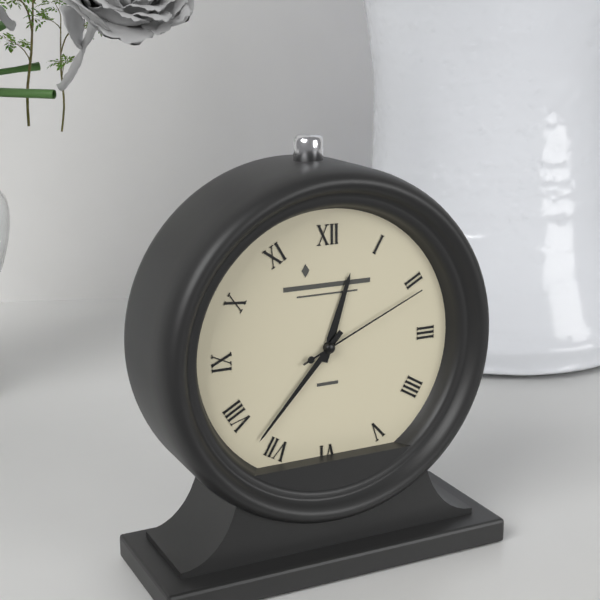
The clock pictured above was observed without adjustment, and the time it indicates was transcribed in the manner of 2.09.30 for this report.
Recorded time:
12.37.11
